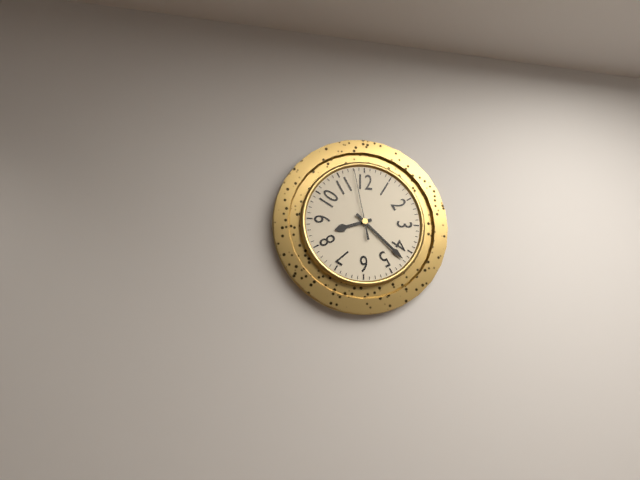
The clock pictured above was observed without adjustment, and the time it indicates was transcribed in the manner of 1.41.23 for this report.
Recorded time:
8.22.58
